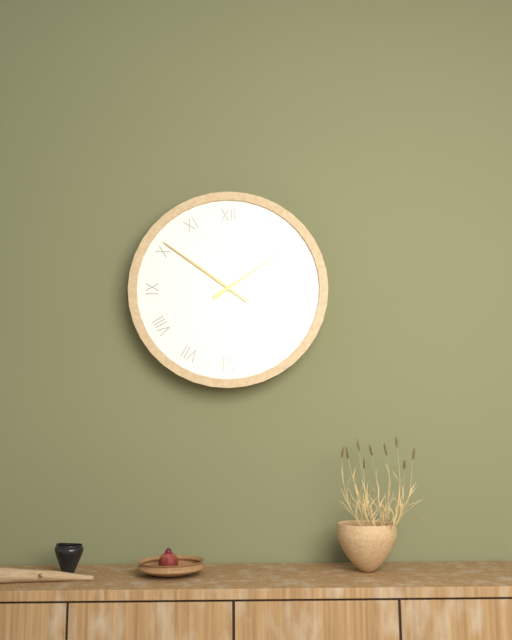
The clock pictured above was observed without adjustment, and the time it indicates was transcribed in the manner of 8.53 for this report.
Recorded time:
1.51
